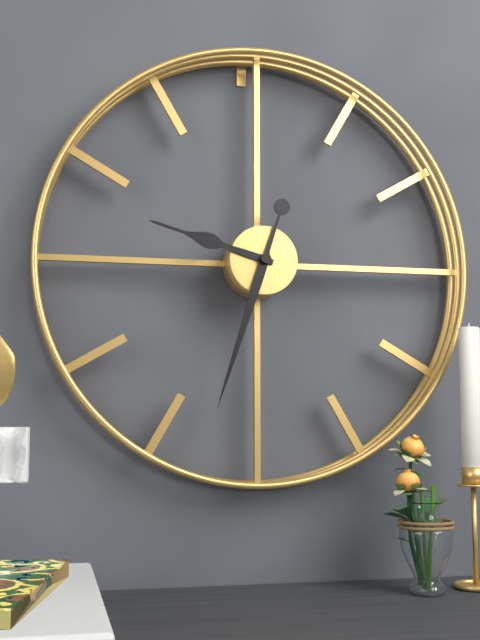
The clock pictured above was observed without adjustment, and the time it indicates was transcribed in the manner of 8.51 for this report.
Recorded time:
9.33
